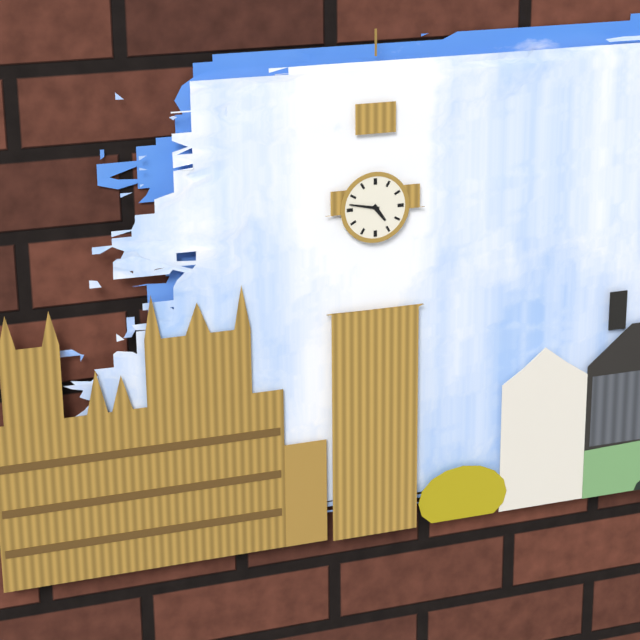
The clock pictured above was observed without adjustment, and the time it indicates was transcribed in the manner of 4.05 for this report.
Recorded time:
4.47
